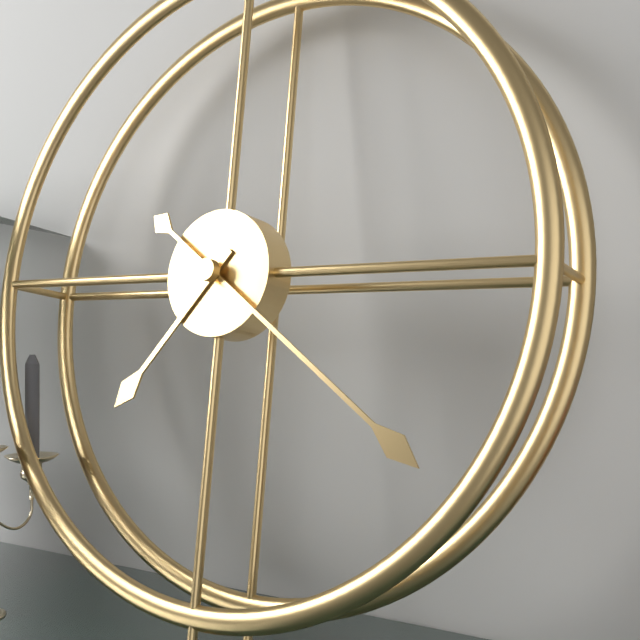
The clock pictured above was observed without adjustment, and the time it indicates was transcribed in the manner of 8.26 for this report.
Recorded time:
7.21
